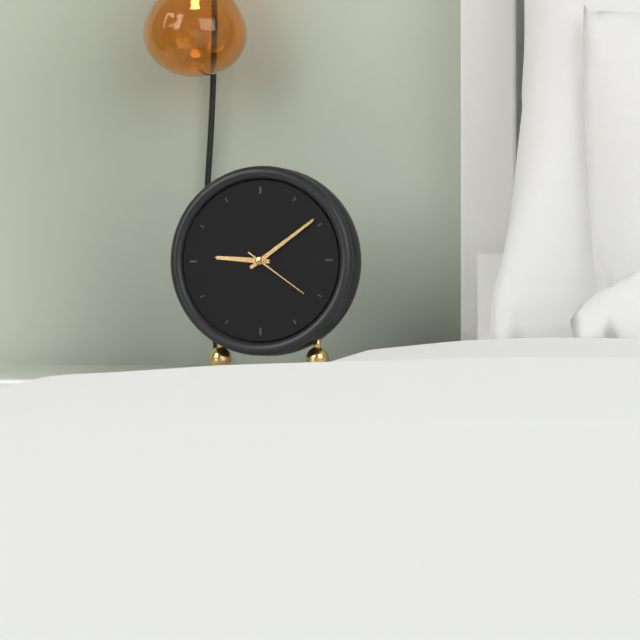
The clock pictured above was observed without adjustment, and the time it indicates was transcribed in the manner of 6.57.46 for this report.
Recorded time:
9.09.21
